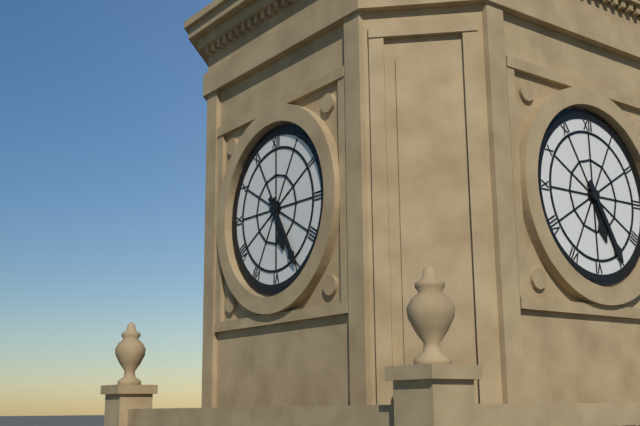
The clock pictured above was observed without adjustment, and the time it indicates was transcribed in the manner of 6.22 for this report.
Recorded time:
5.25
